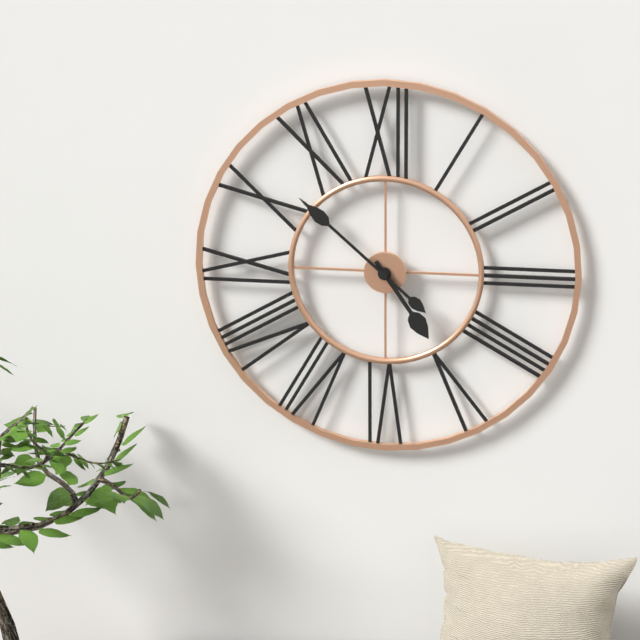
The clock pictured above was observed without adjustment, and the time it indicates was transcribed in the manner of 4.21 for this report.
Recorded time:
4.52
